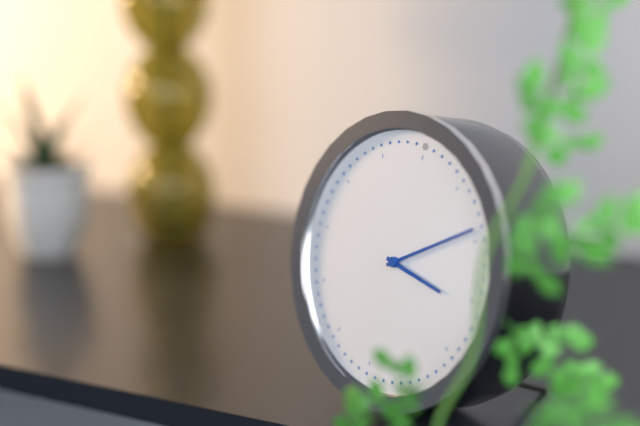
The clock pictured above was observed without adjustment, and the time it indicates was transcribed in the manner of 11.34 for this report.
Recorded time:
3.09
